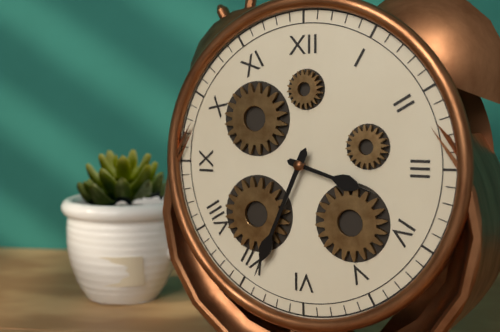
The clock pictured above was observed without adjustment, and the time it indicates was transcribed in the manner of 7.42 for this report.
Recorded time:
3.34
